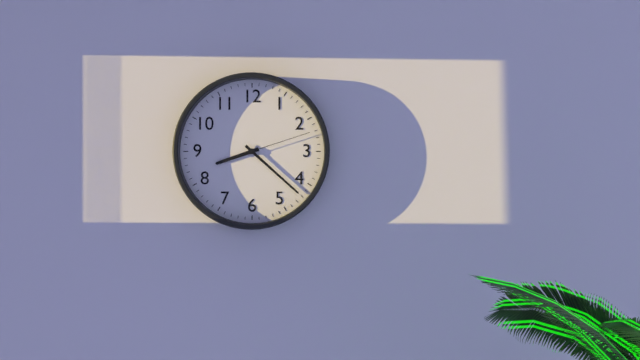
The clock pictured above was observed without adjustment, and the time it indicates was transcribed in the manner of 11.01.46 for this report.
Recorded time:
8.22.12
